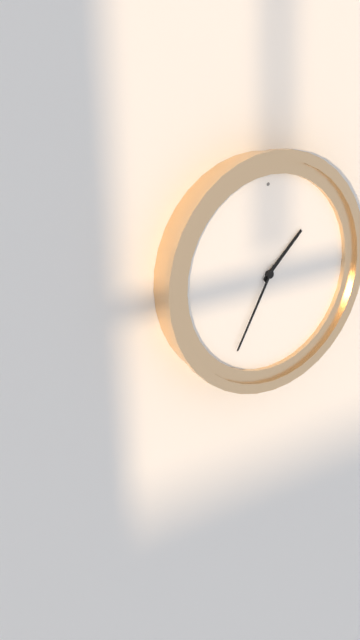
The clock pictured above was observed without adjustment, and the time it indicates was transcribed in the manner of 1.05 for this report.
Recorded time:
1.35
